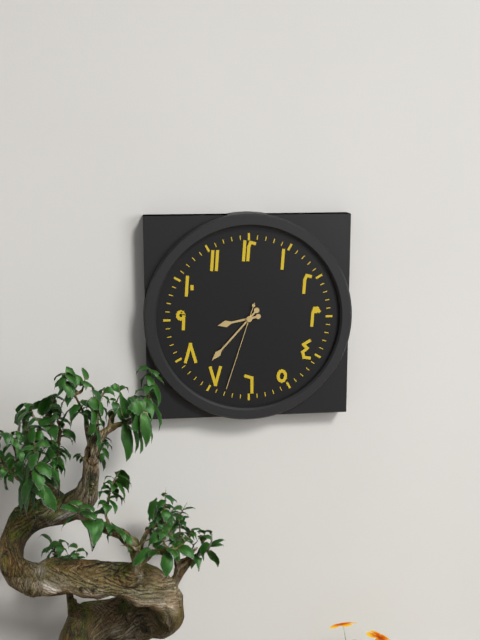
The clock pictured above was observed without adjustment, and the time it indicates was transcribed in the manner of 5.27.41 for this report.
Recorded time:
8.37.33
